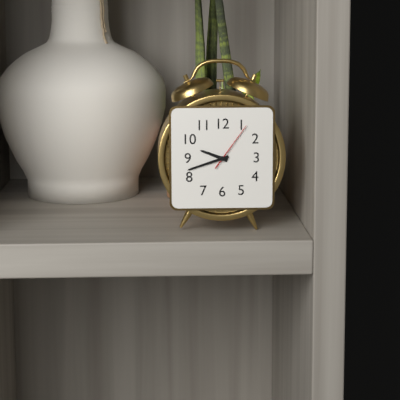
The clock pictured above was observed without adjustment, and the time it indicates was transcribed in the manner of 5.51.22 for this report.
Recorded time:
9.42.06
